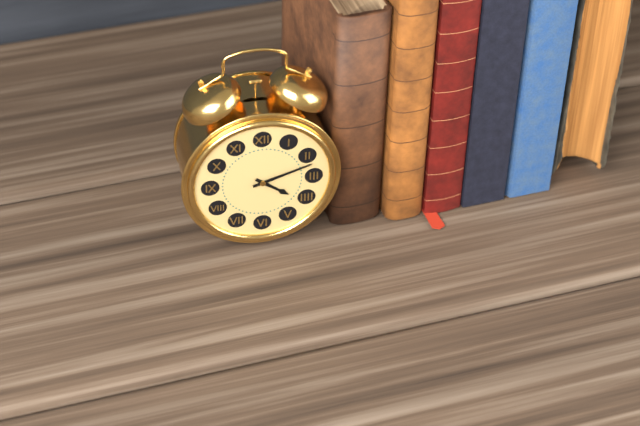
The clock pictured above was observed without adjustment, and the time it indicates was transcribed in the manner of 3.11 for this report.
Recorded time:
4.12
